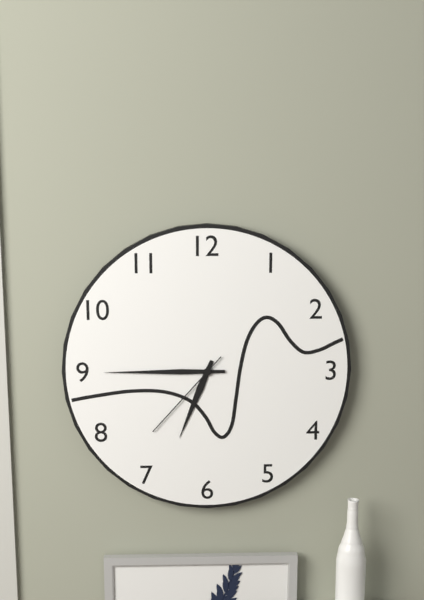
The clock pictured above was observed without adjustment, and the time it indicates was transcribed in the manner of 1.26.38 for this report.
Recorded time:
6.45.37
